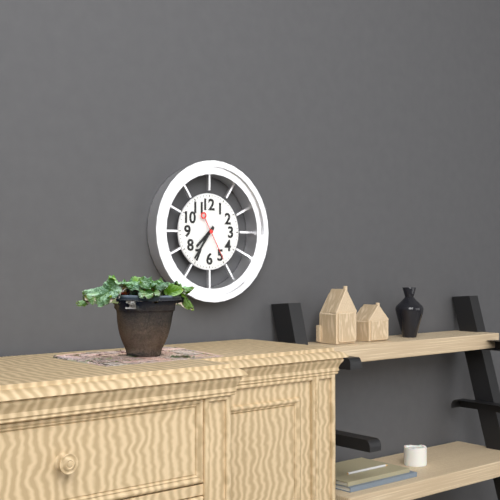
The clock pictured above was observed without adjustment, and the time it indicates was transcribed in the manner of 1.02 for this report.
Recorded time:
7.36
